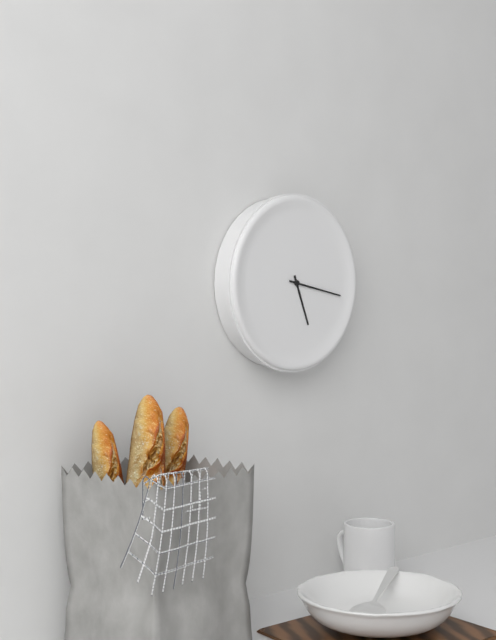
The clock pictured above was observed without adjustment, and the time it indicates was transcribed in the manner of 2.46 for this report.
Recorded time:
5.17
